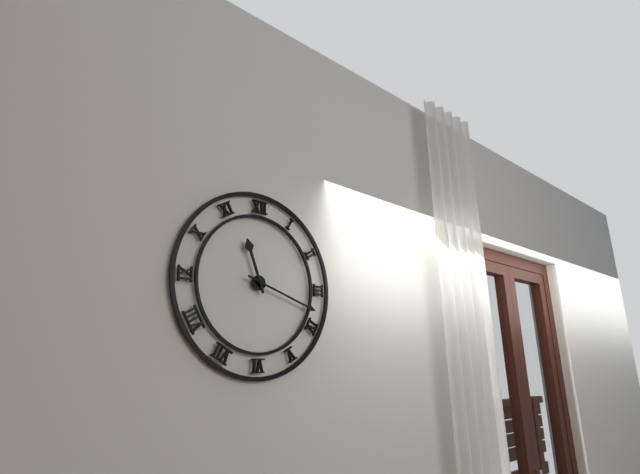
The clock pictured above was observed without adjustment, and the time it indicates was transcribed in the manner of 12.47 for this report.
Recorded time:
11.18
